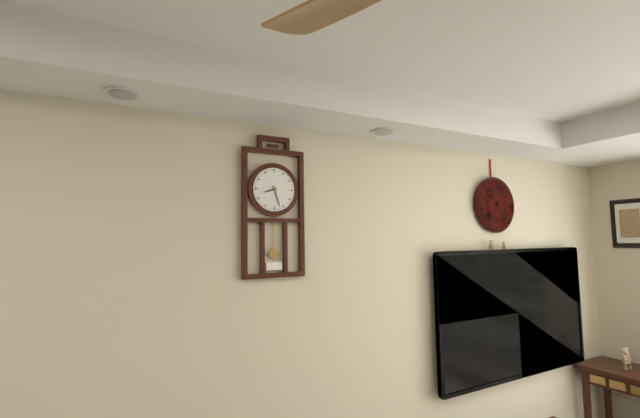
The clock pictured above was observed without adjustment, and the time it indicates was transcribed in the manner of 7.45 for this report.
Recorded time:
8.27
